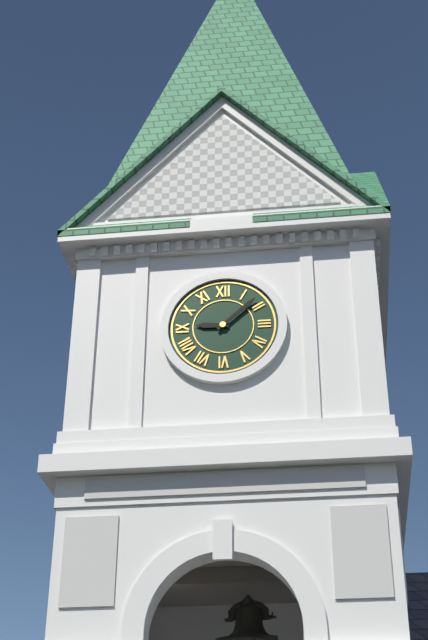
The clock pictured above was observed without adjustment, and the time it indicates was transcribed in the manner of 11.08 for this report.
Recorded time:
9.08
